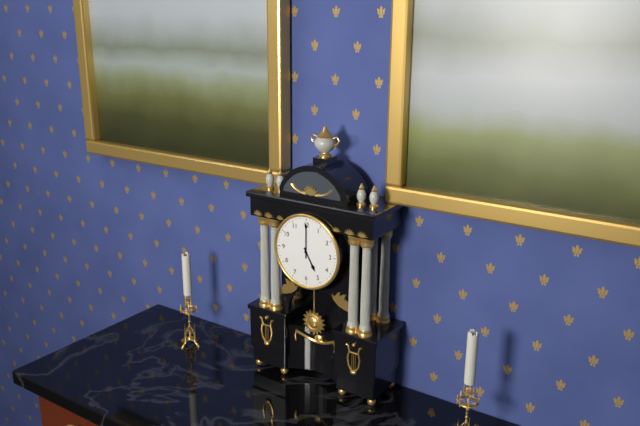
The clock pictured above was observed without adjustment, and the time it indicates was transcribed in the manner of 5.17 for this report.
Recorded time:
5.00
